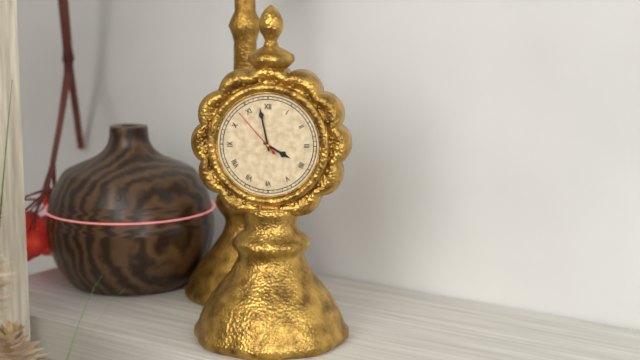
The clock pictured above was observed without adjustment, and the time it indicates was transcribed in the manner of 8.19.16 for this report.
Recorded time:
3.58.53
